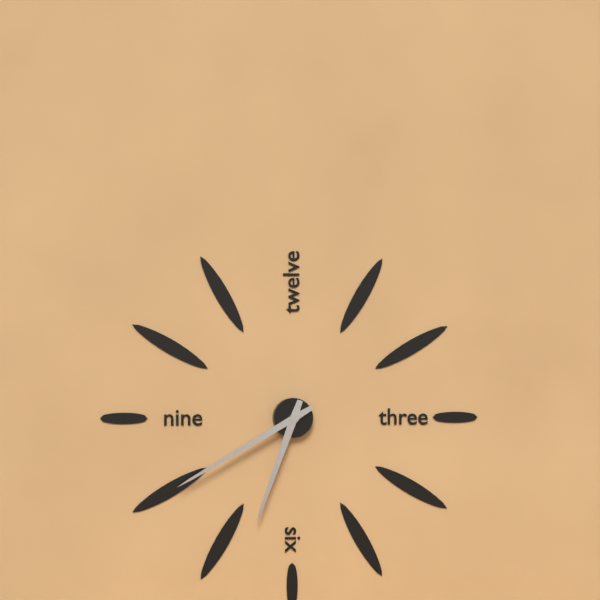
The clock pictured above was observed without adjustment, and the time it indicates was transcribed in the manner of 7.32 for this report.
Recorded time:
6.40
